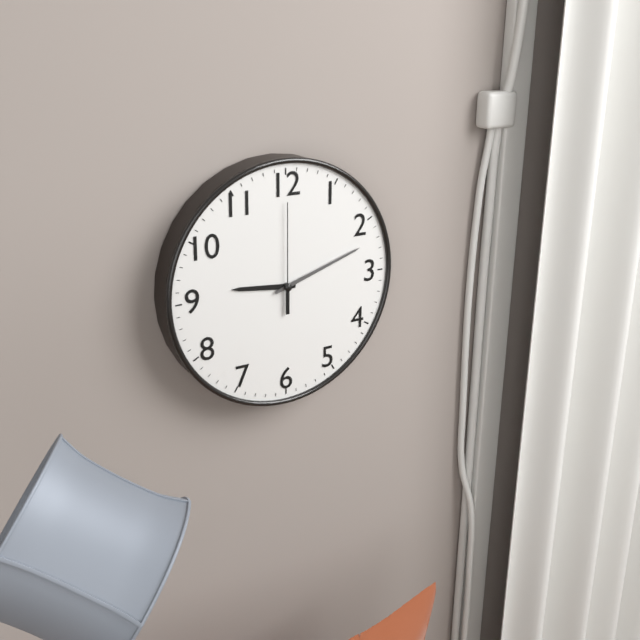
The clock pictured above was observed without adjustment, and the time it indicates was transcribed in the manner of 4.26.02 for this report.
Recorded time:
9.12.00
